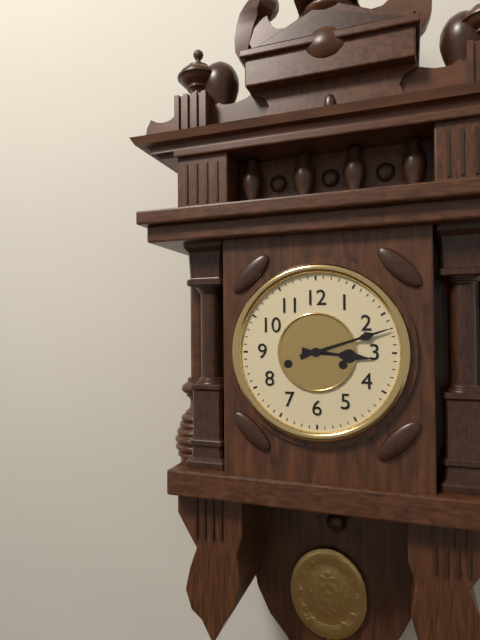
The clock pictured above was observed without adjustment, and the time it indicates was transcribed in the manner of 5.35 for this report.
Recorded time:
3.12
